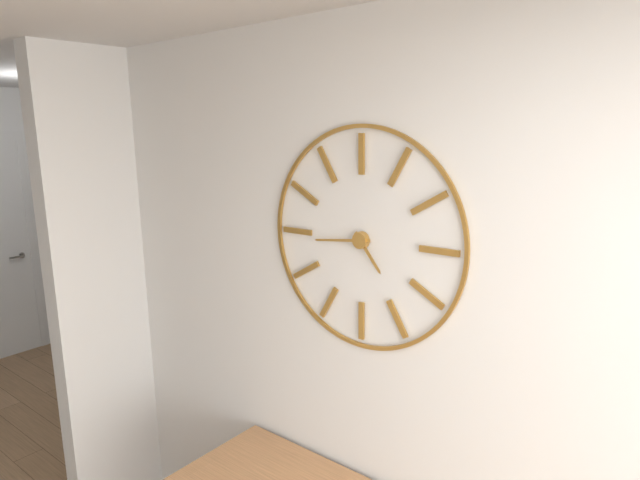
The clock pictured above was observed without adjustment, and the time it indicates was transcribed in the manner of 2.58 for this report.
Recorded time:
4.44
